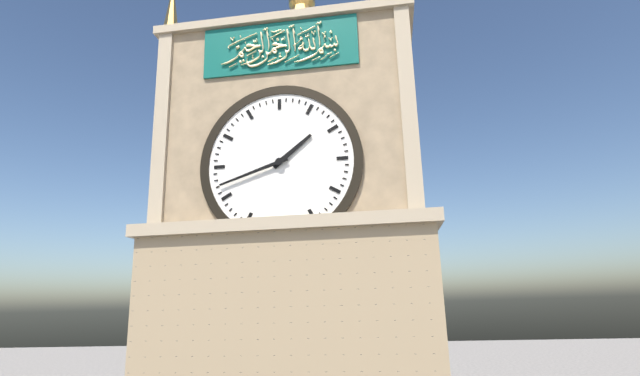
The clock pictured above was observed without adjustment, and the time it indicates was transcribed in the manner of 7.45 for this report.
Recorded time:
1.42
